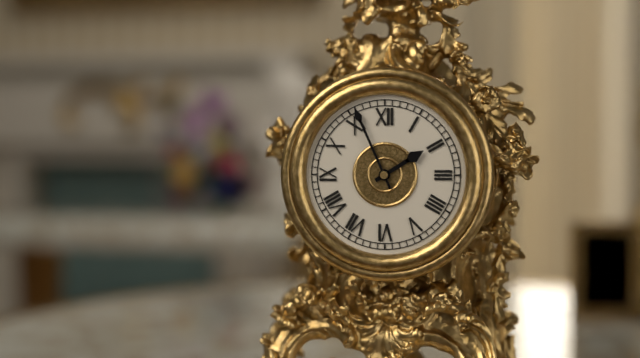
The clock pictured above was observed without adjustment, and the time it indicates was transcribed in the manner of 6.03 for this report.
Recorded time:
1.56
